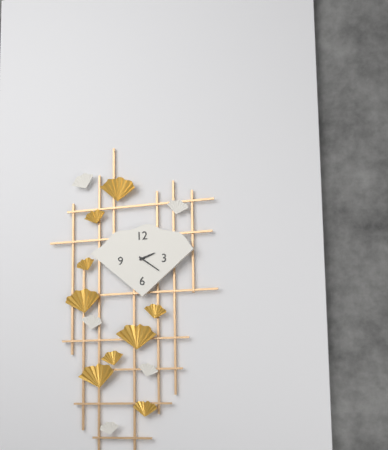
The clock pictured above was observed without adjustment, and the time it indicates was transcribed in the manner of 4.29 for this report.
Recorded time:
2.21
